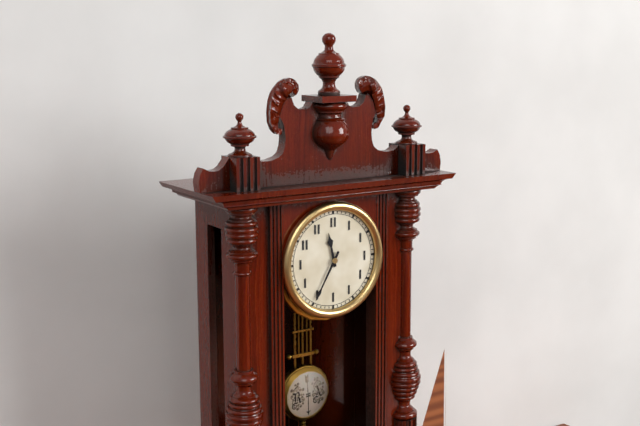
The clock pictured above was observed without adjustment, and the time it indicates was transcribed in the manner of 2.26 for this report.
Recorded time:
11.35
